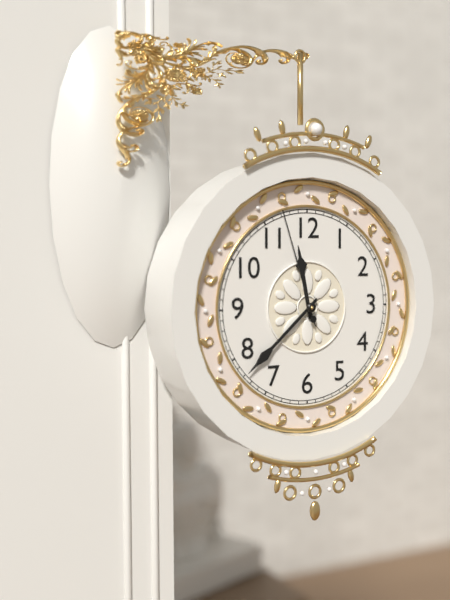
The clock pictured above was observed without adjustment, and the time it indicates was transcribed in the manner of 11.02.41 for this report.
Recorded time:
11.38.57
